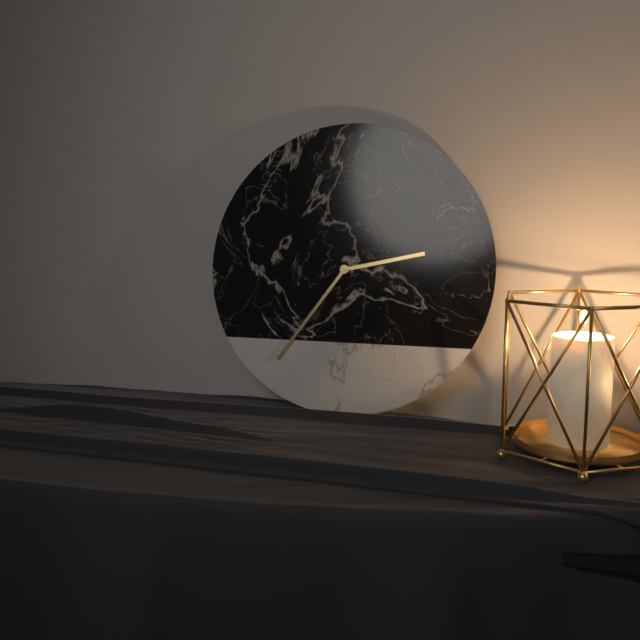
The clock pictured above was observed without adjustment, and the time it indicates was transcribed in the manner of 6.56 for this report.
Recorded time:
2.36
